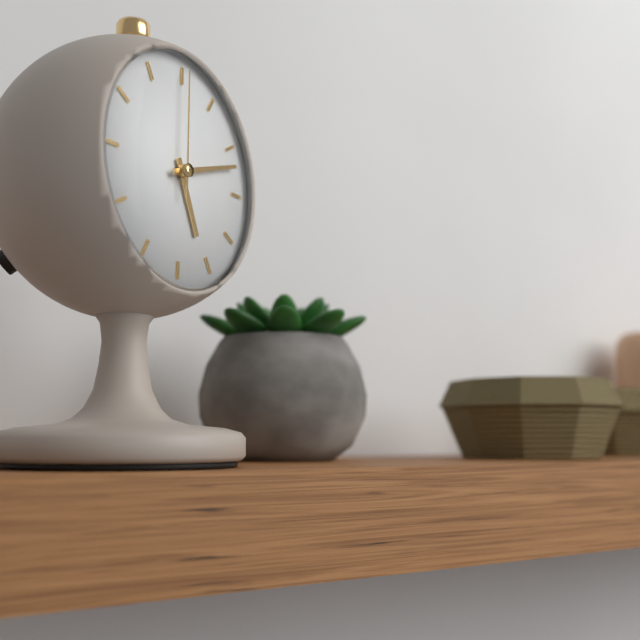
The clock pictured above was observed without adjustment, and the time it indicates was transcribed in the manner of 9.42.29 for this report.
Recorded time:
5.12.00
